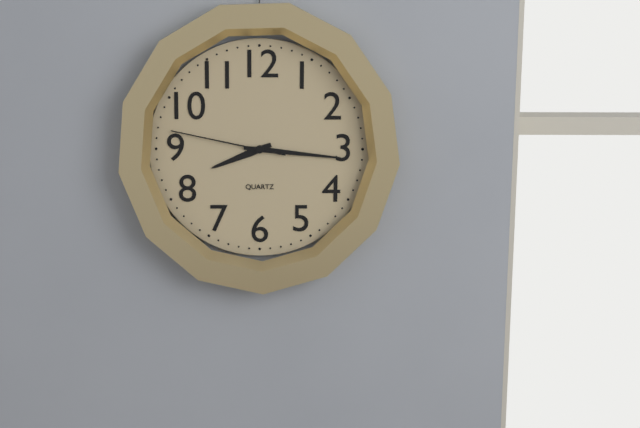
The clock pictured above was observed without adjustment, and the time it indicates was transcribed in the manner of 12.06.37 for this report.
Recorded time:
8.16.47
